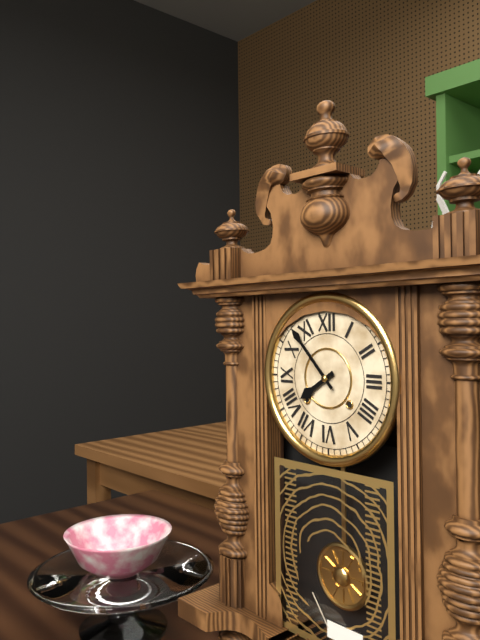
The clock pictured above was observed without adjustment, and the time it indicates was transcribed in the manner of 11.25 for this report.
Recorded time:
7.53
